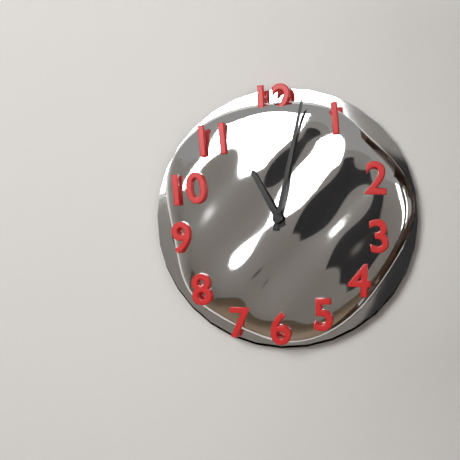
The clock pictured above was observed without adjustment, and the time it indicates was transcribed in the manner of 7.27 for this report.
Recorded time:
11.02
